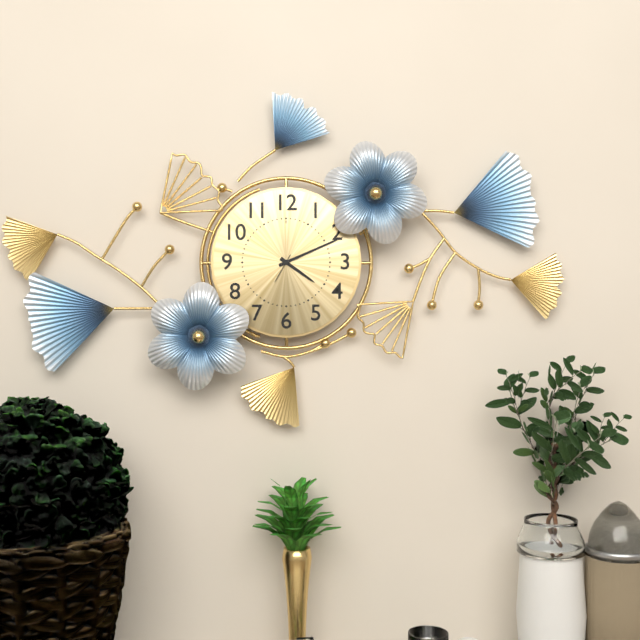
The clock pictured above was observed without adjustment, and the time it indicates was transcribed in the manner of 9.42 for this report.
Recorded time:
4.11
